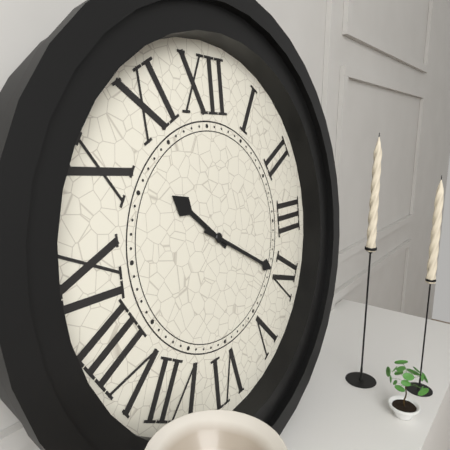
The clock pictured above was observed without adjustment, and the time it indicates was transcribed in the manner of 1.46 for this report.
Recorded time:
10.20
